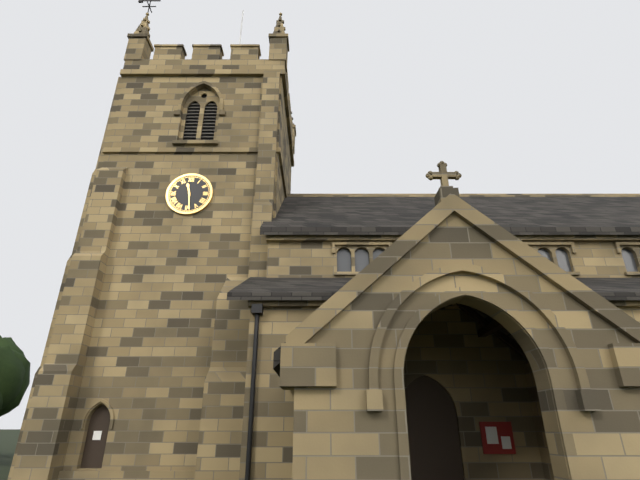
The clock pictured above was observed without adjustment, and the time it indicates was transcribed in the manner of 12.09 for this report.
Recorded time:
11.29
